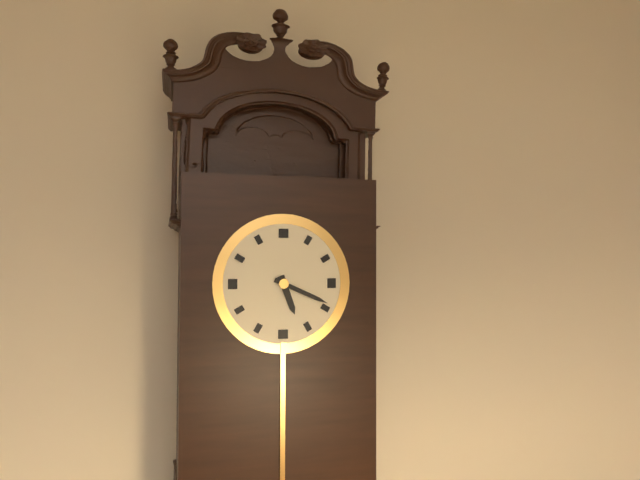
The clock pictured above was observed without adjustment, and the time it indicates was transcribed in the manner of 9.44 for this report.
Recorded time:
5.19
